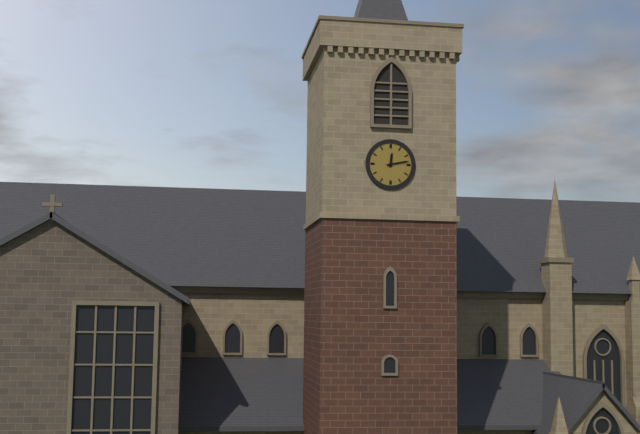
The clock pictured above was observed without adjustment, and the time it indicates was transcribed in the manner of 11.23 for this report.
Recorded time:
12.13
